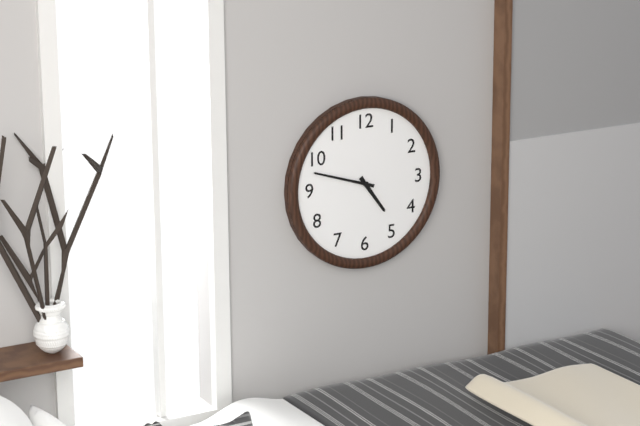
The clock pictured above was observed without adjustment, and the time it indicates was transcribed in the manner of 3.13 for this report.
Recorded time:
4.48
